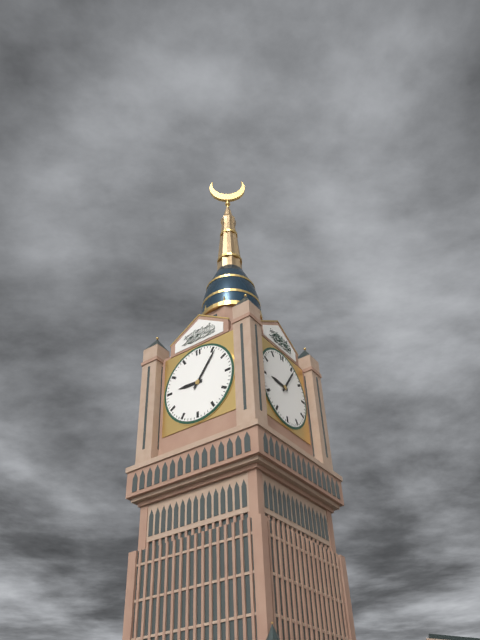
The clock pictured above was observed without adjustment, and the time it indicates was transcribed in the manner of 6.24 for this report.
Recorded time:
9.06
